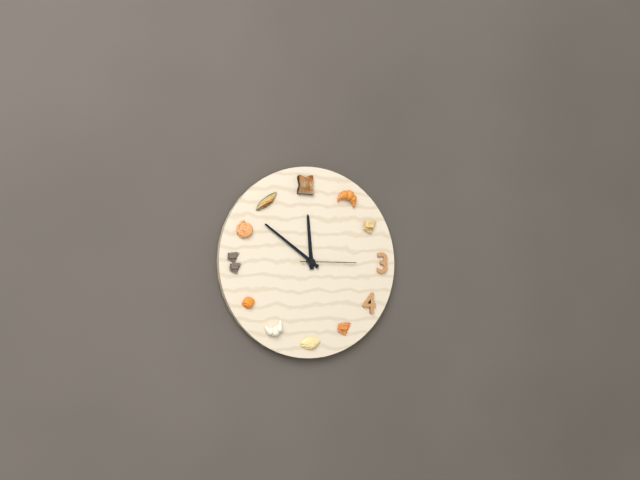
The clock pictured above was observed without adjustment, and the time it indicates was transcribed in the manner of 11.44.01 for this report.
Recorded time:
11.51.15
